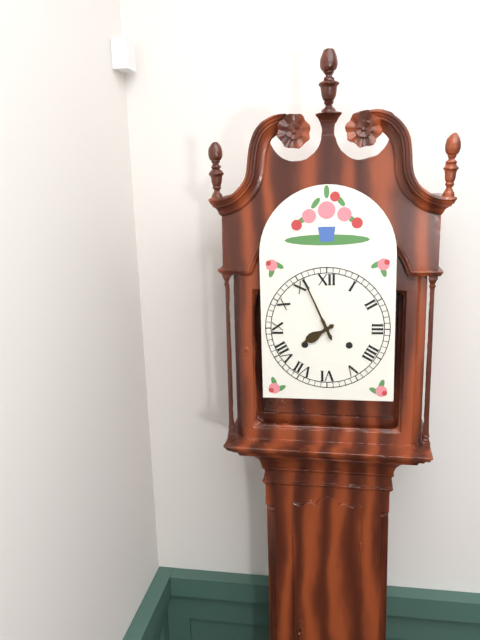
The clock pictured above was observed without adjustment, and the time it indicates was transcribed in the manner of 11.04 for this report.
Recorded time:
7.56
